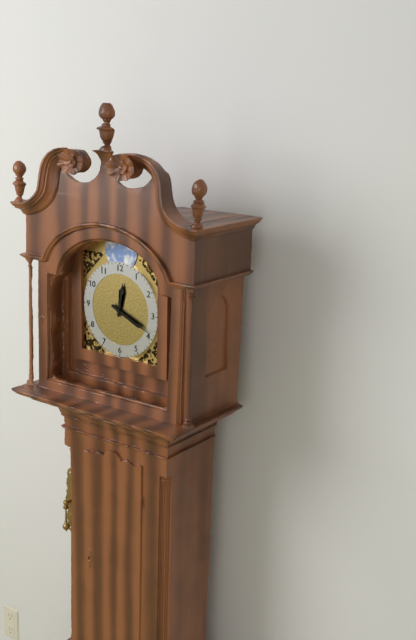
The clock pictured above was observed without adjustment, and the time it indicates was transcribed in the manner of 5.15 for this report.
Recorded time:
12.19
